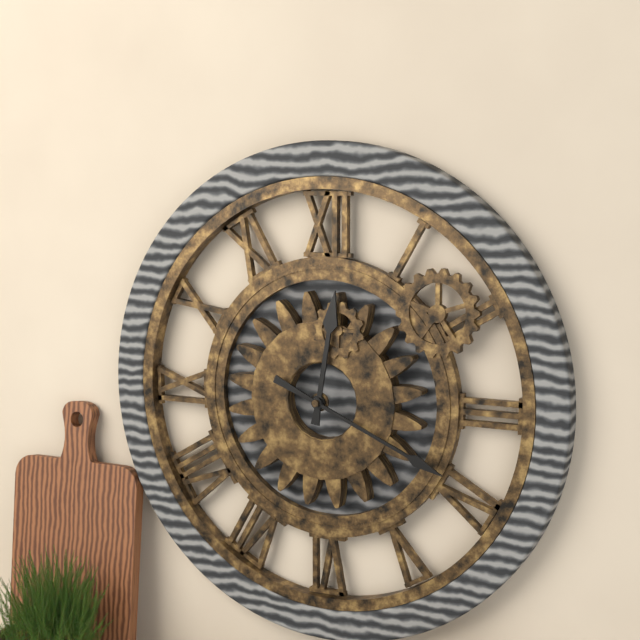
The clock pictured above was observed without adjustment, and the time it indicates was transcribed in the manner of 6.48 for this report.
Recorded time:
12.19
